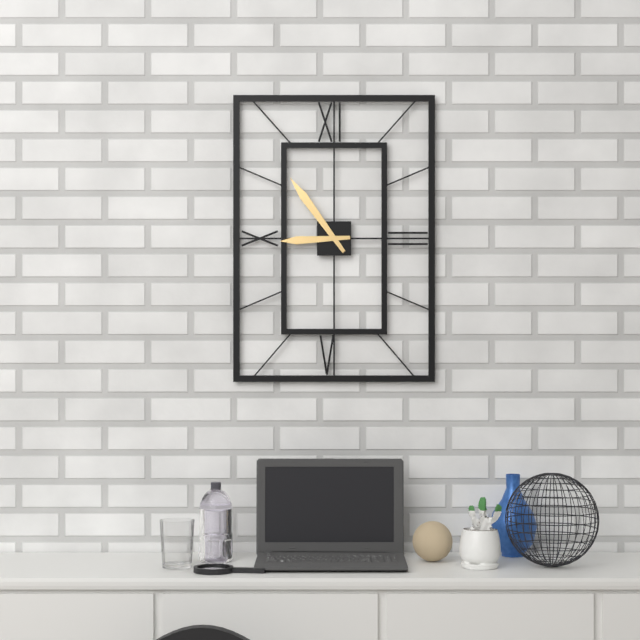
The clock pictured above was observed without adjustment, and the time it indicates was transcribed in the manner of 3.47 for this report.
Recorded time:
8.54
